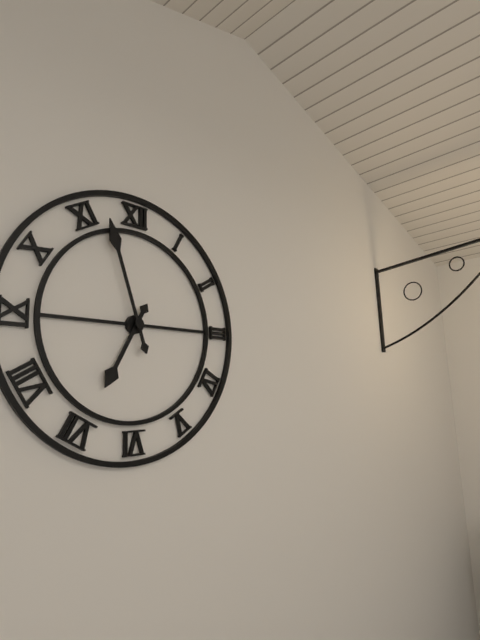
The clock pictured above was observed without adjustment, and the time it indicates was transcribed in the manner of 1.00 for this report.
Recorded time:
6.57
